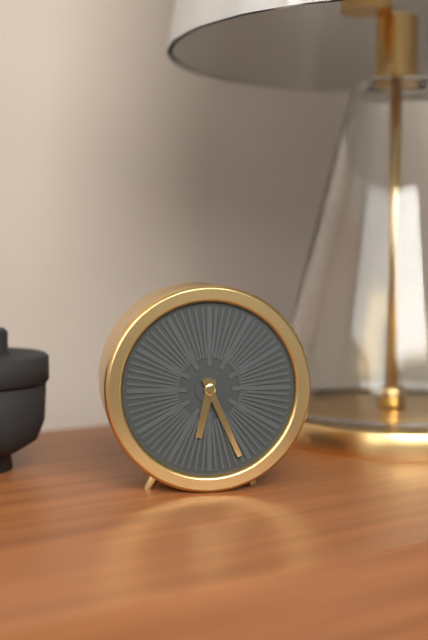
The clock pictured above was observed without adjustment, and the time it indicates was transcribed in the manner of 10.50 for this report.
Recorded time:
6.26
